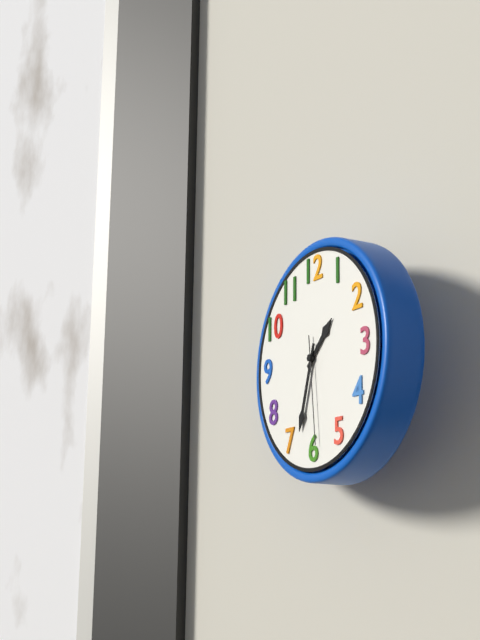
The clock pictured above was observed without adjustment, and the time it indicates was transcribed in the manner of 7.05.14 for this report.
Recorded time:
1.33.29
